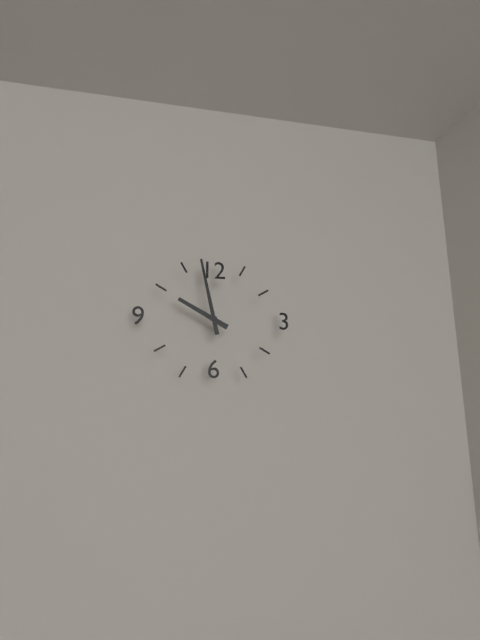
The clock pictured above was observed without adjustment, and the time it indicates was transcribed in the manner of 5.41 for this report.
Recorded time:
9.58
